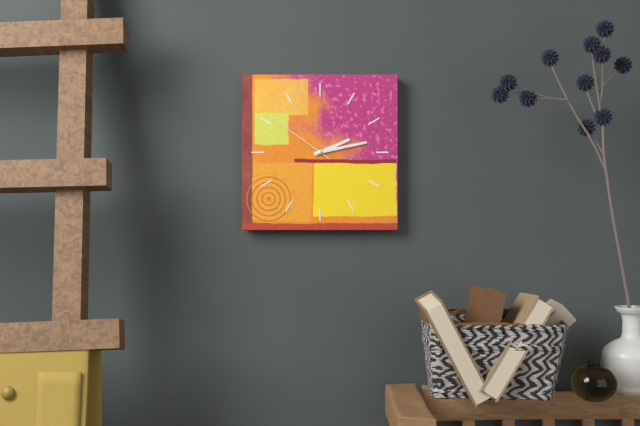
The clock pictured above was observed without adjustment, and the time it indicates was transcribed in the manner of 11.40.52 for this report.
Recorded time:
2.13.51
